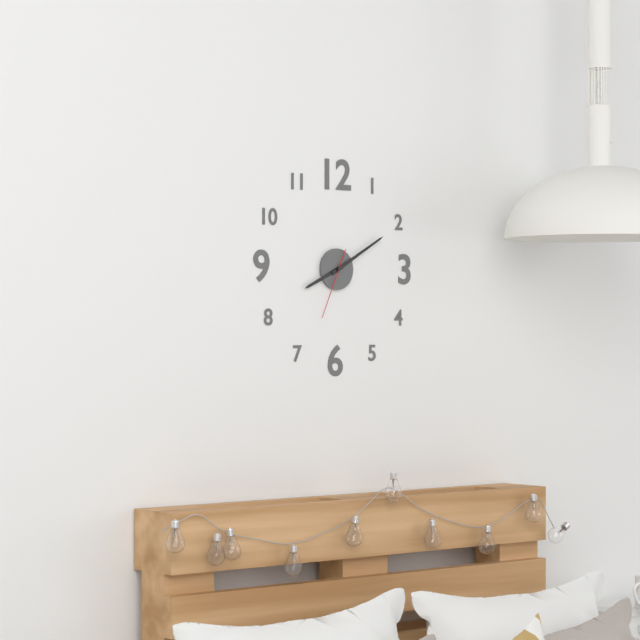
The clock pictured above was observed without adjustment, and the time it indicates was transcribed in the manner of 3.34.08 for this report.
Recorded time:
8.10.34
